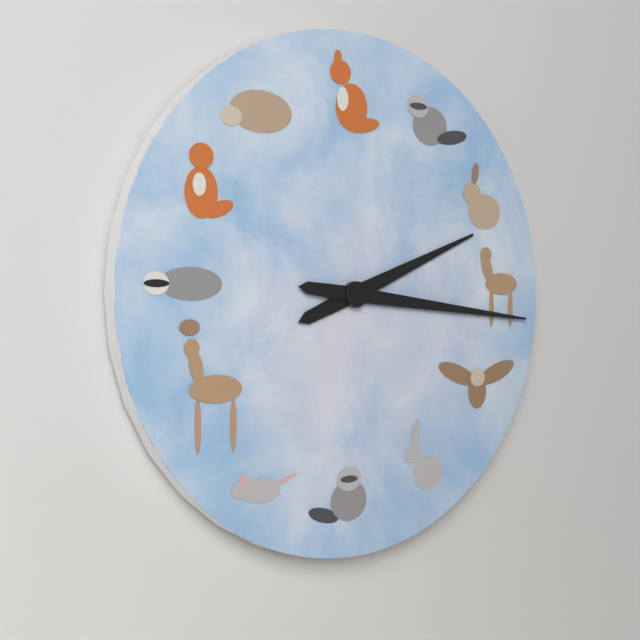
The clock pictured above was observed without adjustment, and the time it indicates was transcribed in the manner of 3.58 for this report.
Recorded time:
2.16
